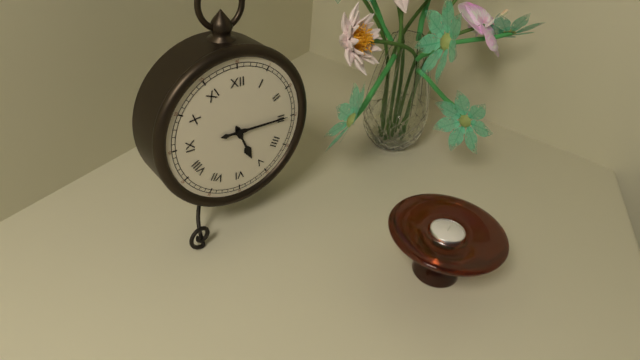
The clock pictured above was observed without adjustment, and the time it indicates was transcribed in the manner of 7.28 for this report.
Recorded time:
5.15
